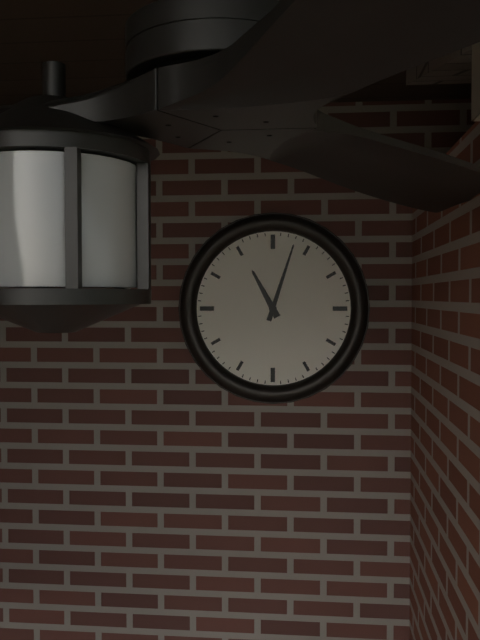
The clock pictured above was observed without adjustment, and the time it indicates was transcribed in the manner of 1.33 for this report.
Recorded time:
11.03
